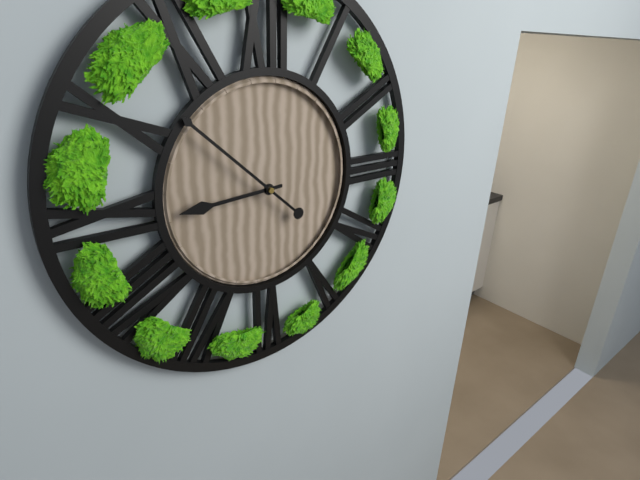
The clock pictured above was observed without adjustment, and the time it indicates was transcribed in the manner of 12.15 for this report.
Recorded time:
8.52
